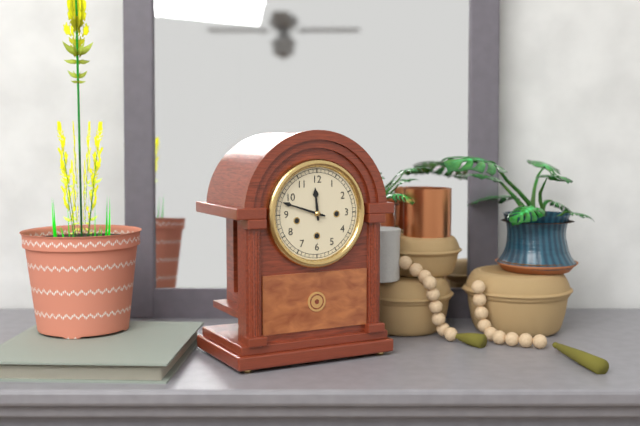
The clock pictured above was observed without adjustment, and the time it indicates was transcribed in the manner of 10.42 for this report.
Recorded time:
11.48
